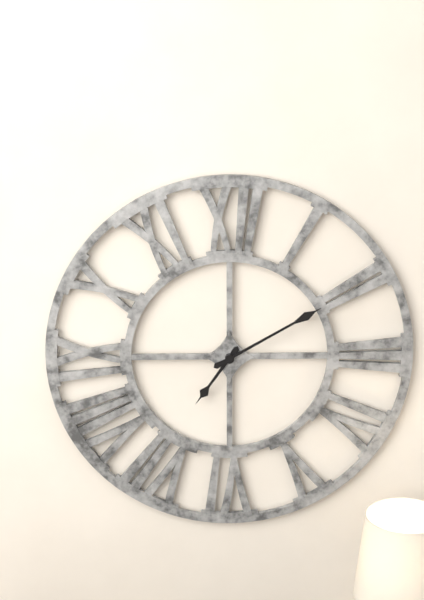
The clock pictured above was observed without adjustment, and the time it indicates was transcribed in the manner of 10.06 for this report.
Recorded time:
7.10
